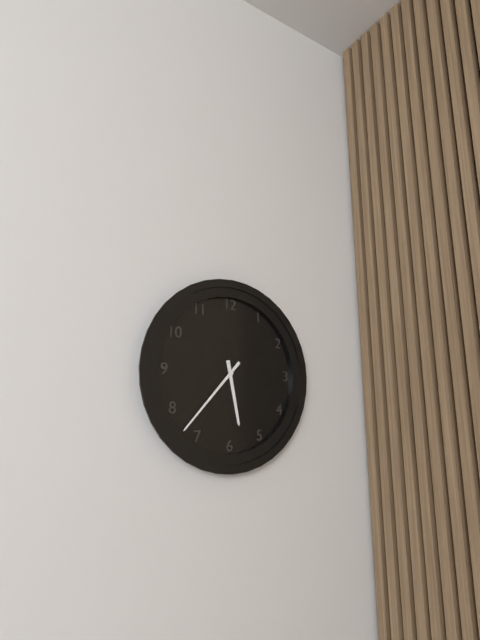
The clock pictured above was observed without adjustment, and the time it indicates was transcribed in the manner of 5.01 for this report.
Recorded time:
5.37
